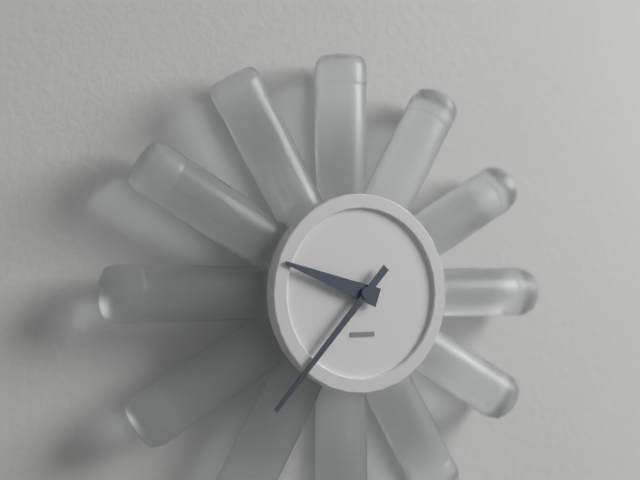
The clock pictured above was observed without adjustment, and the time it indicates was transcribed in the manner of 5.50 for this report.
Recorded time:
9.37
